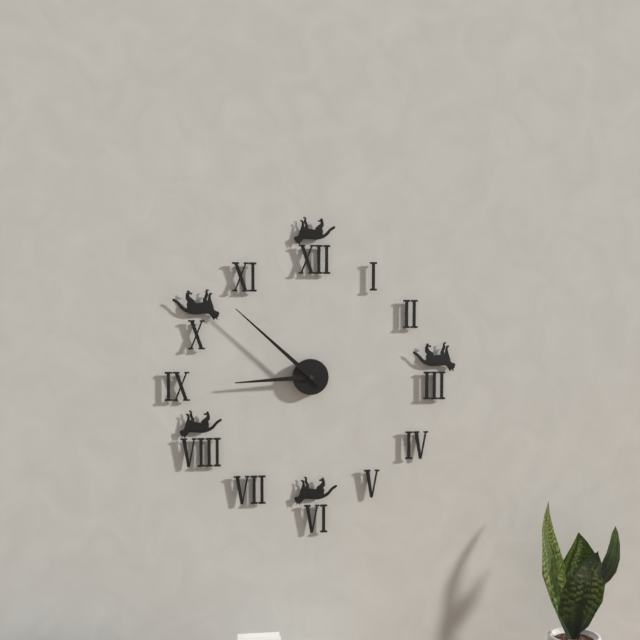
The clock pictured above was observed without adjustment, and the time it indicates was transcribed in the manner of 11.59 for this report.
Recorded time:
8.52
